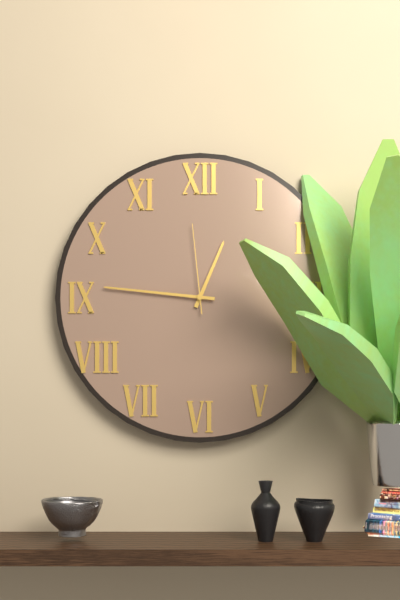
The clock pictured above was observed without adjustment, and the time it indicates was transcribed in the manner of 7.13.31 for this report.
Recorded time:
12.46.59
